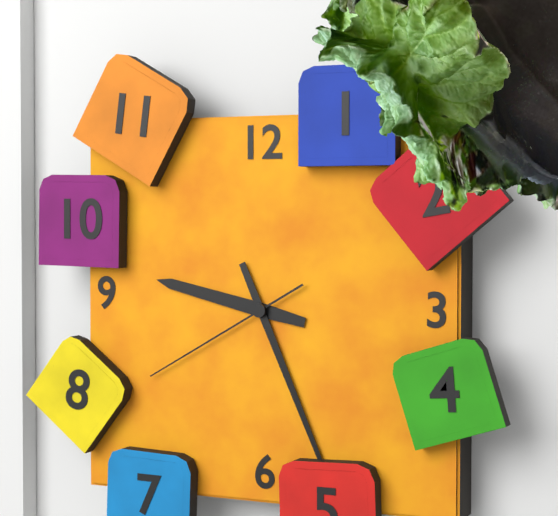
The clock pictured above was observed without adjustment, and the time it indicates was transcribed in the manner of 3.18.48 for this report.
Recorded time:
9.26.40
